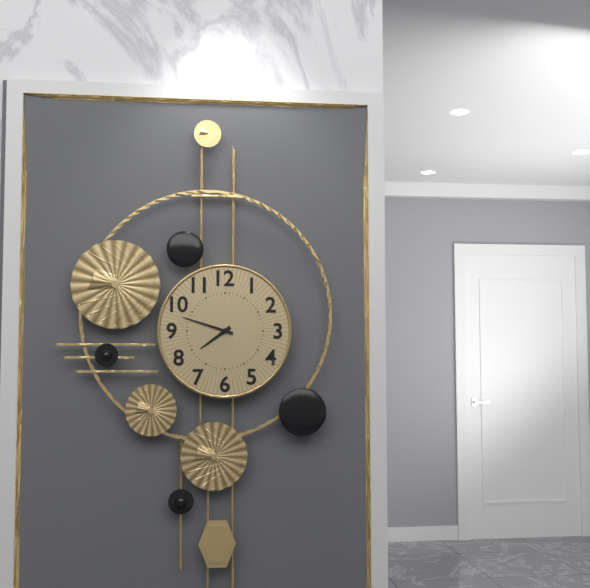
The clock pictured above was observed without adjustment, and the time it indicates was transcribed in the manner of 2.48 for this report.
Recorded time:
7.48
